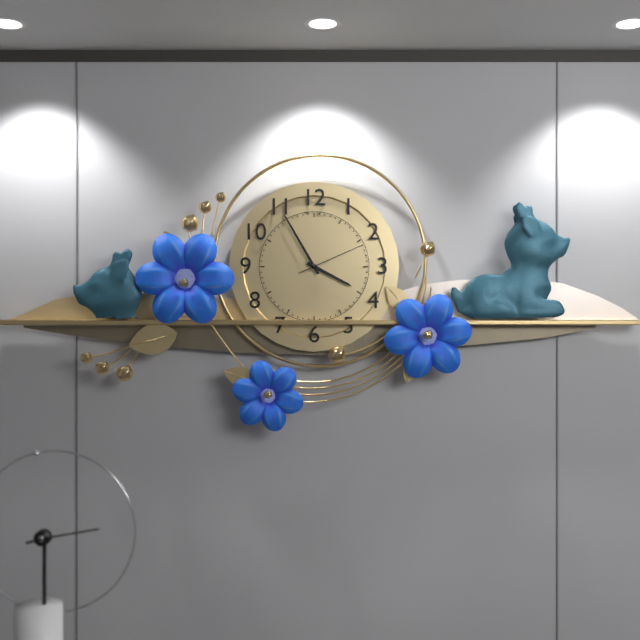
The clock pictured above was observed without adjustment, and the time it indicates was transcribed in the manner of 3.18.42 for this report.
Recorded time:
3.55.11
